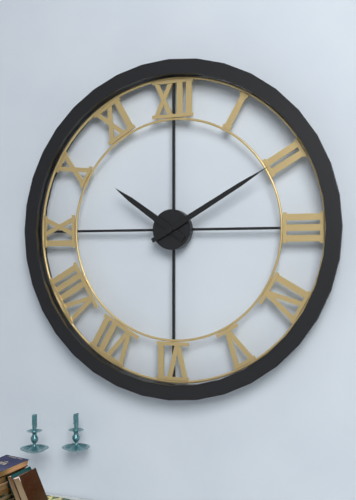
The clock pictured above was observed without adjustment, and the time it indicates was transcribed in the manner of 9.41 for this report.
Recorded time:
10.10
